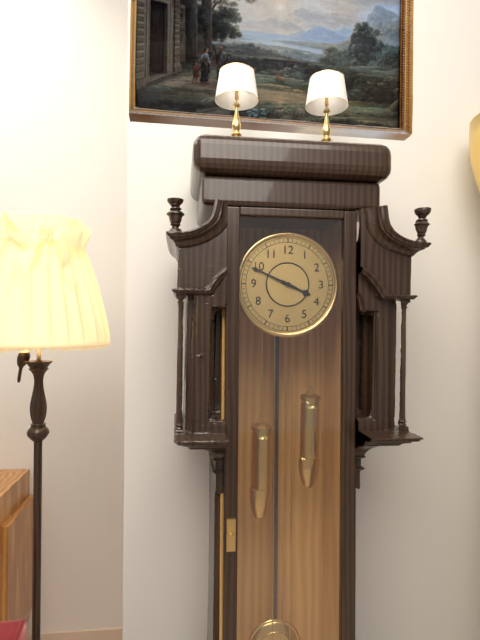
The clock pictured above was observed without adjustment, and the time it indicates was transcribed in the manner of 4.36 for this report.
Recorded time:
3.49
